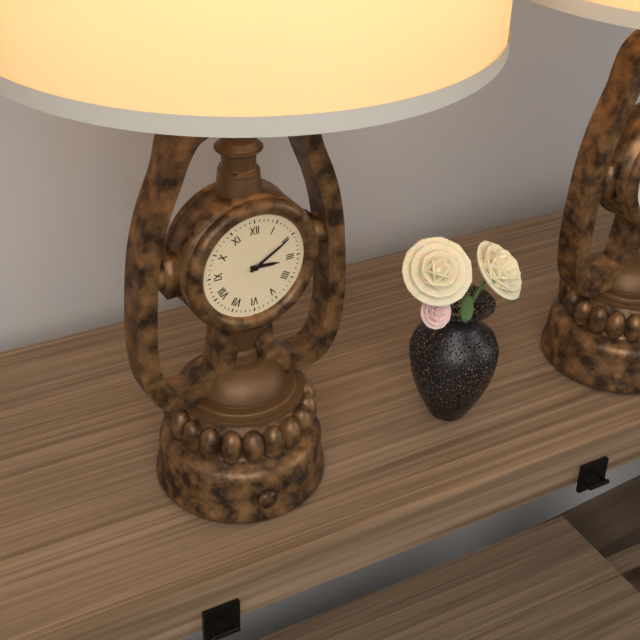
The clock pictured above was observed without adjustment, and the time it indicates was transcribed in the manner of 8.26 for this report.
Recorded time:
3.10
